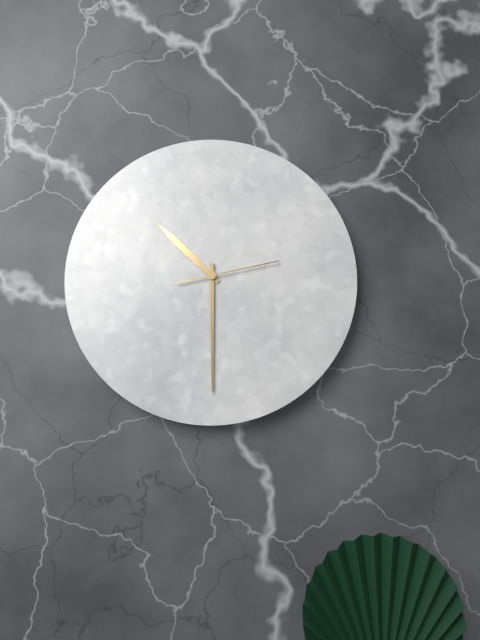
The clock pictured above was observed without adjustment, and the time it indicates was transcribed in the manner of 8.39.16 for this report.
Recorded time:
10.30.13
